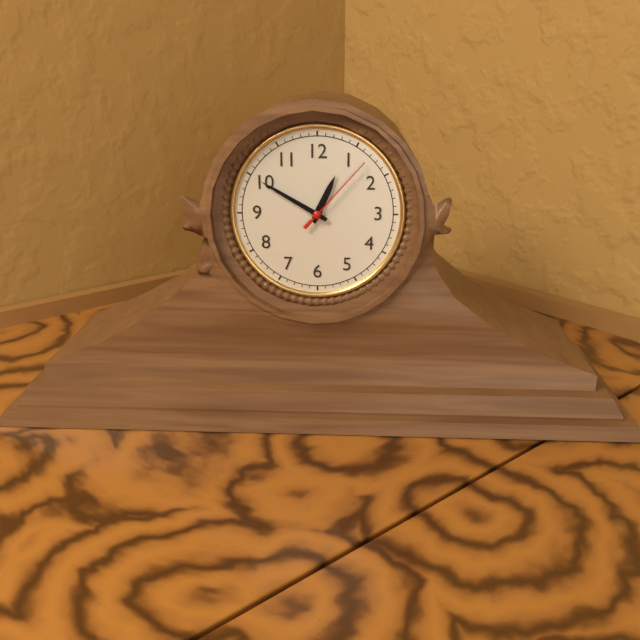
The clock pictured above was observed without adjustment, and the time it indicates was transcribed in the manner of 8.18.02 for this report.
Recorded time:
12.50.07
